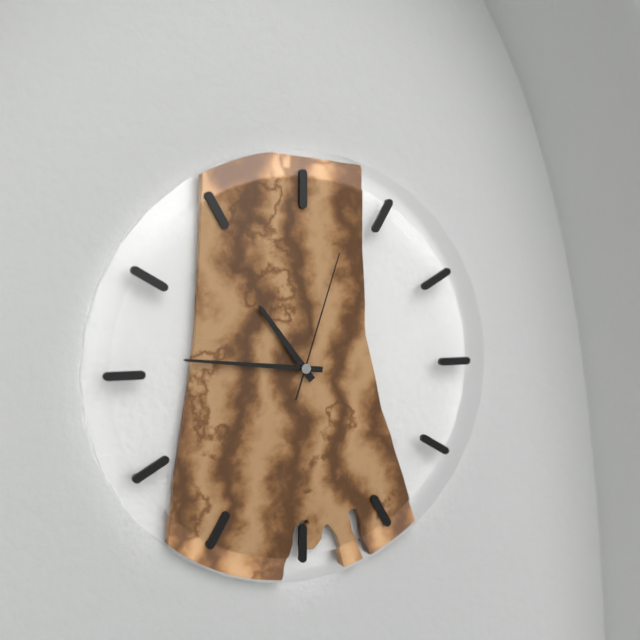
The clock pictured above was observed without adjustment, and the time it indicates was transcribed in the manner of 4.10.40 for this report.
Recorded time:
10.46.03
